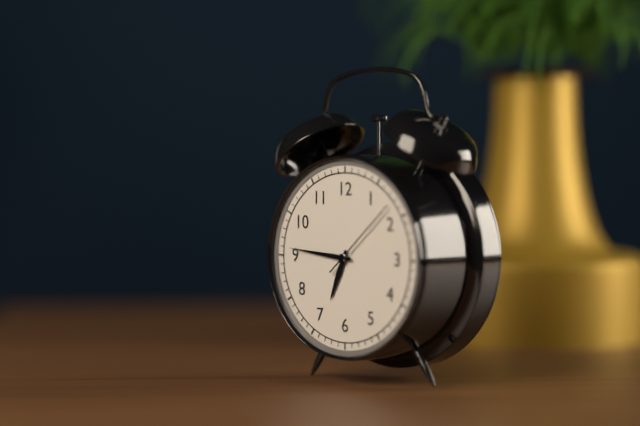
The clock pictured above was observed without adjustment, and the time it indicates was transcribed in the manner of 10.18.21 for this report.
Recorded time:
6.46.08
